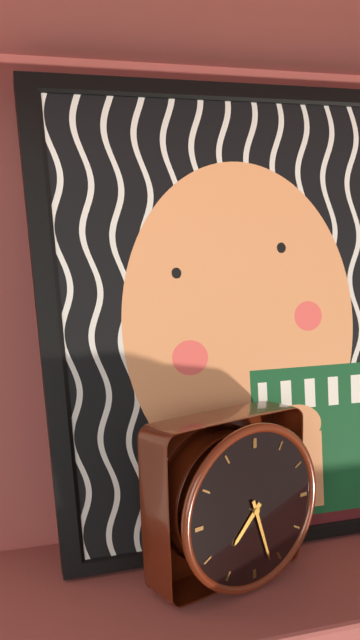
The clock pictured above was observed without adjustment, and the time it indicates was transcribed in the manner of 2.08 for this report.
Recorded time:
7.27
